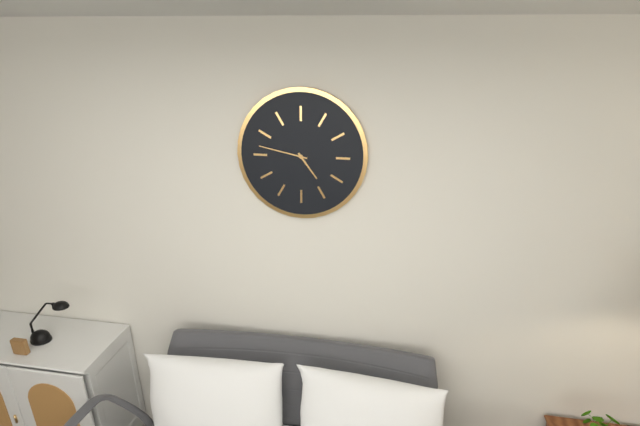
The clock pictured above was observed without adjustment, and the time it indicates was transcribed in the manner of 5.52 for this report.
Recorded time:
4.47
